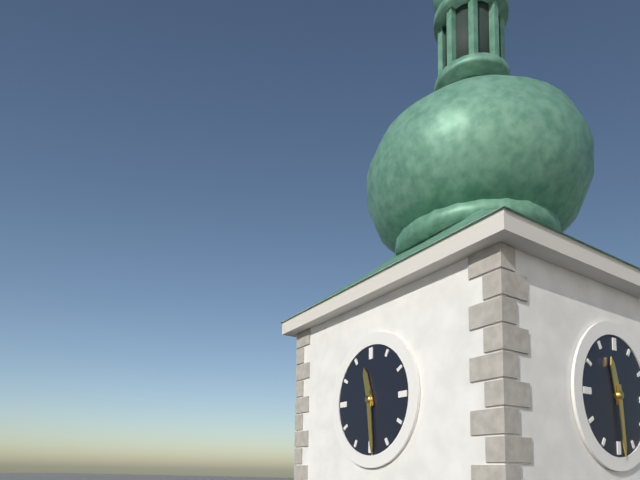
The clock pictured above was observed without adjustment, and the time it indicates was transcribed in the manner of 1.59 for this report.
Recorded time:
11.29
